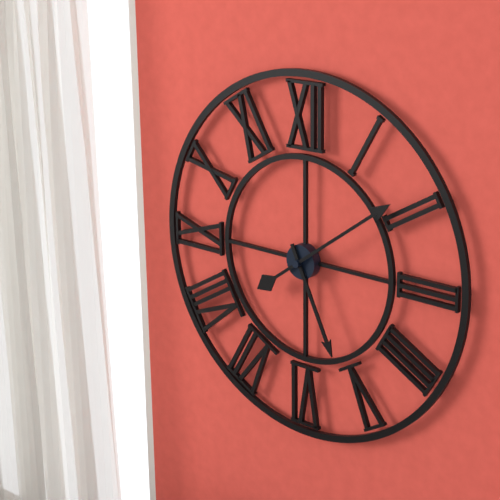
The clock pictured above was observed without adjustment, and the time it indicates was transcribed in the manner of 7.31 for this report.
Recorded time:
5.09
